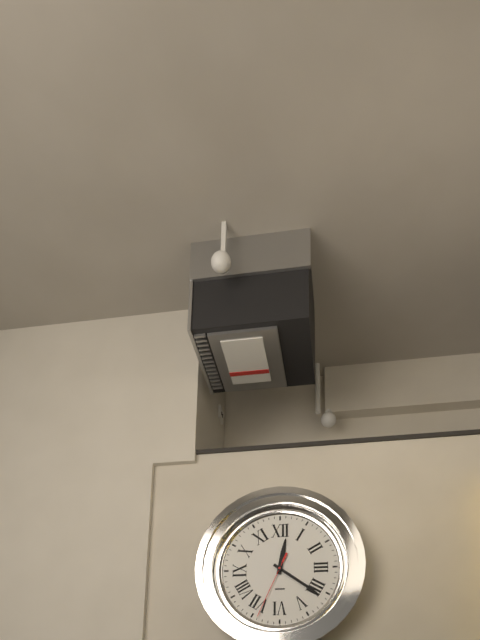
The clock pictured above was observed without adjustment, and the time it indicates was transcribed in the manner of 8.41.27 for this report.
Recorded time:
12.21.34
